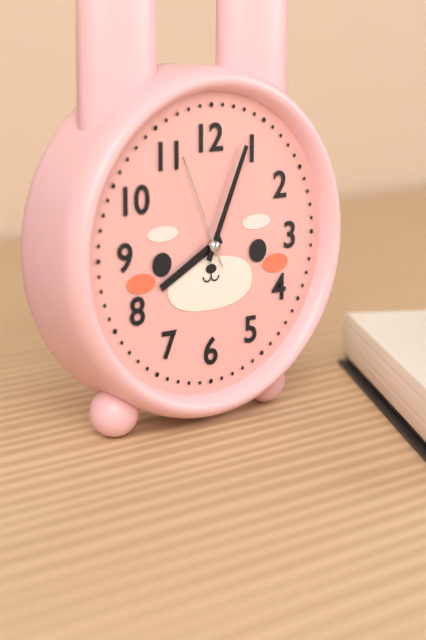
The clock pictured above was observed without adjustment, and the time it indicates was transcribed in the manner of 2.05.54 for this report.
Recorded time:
8.04.56
